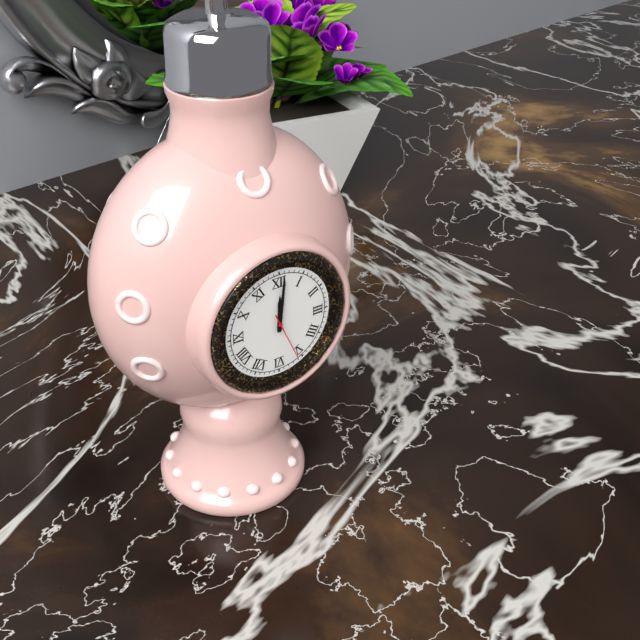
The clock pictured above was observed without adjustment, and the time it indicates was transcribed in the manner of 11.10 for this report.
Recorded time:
12.01
